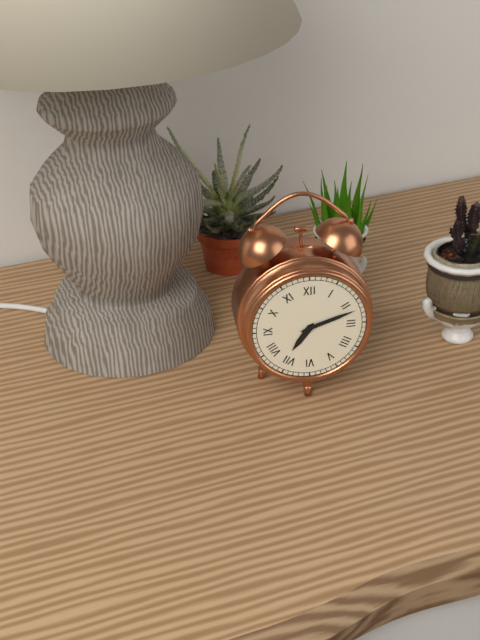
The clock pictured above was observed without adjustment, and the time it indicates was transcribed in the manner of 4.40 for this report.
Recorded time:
7.12
